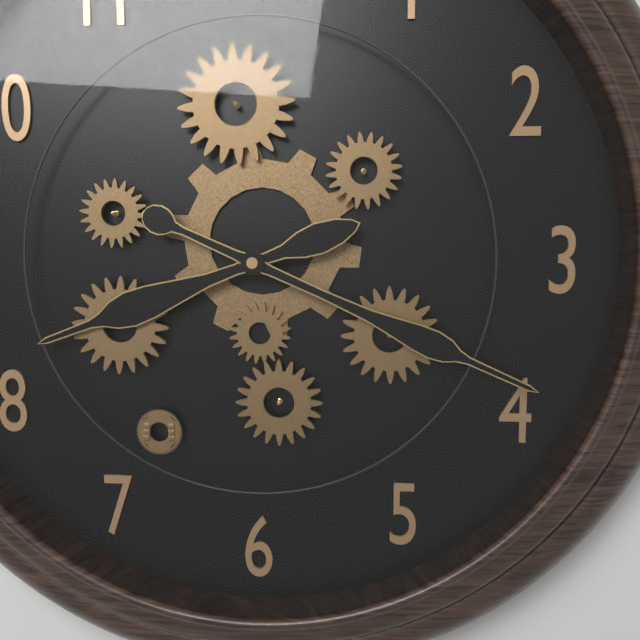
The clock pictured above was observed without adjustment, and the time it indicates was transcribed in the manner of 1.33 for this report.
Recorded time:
8.19
